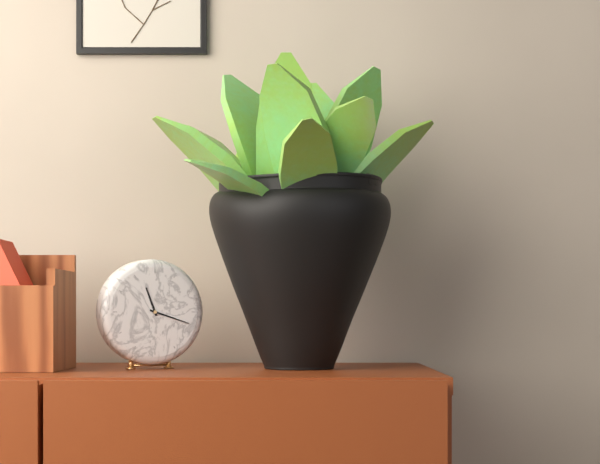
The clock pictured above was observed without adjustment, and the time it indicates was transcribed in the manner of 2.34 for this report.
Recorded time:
11.18
